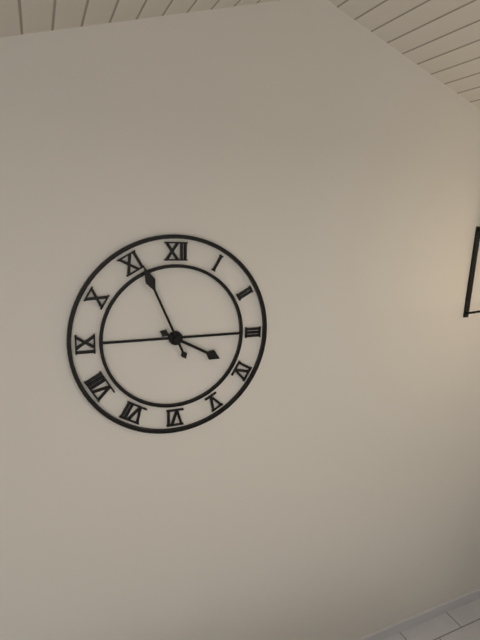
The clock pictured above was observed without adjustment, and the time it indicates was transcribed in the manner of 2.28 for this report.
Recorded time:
3.56
